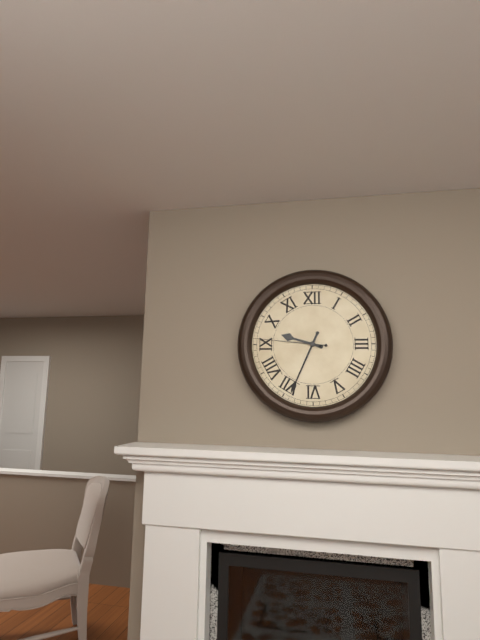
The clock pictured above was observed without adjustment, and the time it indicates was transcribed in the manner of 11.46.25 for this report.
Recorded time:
9.34.46
